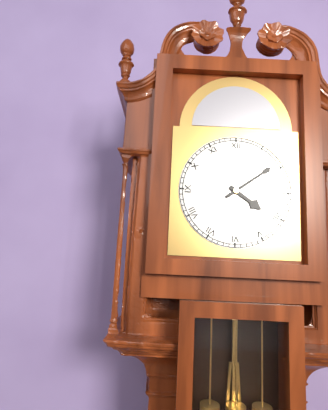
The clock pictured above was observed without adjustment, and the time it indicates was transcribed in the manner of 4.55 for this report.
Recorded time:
4.09
